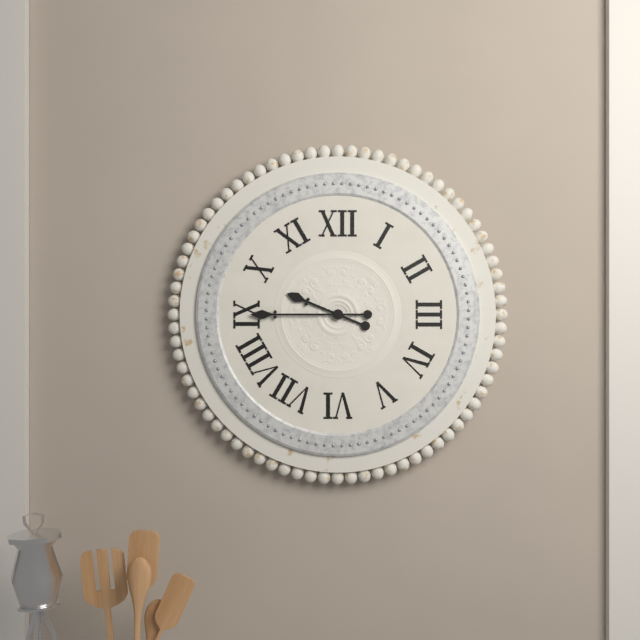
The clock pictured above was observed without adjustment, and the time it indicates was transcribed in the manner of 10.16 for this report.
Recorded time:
9.45
